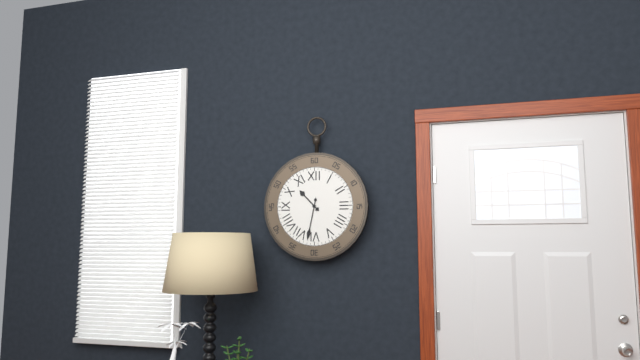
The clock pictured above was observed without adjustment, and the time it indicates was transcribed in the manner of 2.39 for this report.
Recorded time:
10.32
